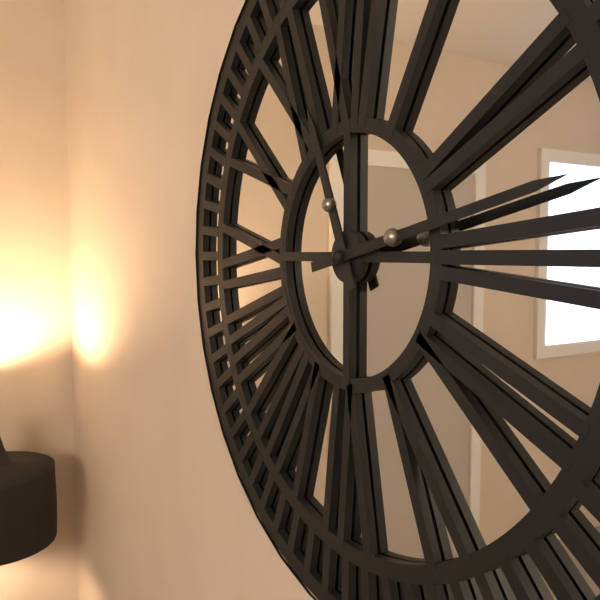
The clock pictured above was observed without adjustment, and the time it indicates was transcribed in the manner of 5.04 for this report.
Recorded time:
11.13
